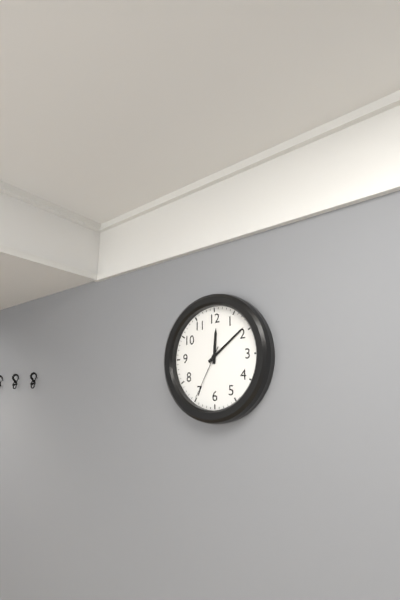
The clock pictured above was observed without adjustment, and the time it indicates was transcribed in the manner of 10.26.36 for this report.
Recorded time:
12.09.35
